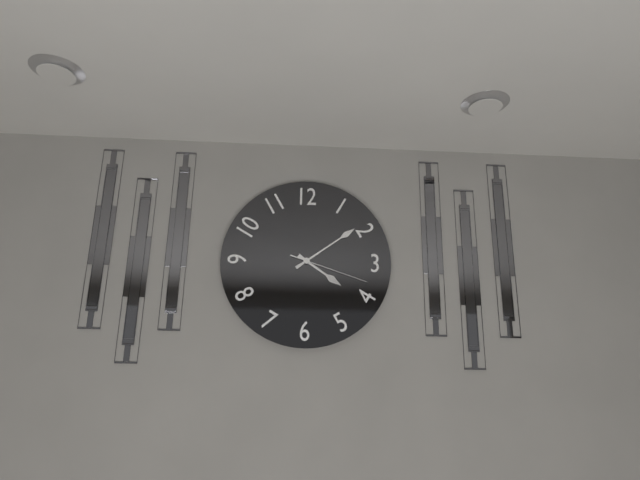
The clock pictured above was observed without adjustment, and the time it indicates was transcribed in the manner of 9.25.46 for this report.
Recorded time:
4.09.18
